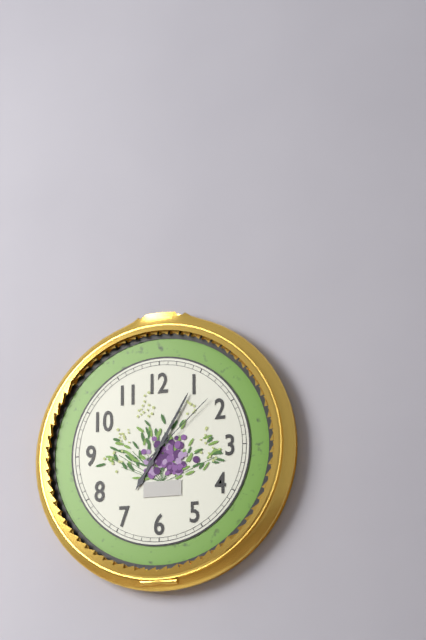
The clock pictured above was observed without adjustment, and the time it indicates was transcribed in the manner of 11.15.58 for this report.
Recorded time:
7.05.08
